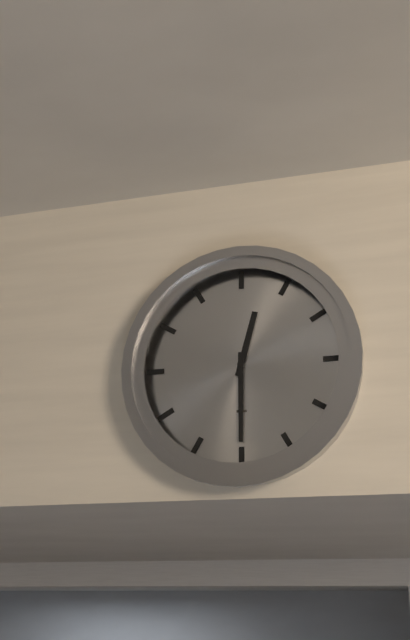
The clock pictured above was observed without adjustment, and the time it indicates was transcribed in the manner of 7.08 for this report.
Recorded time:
12.30
